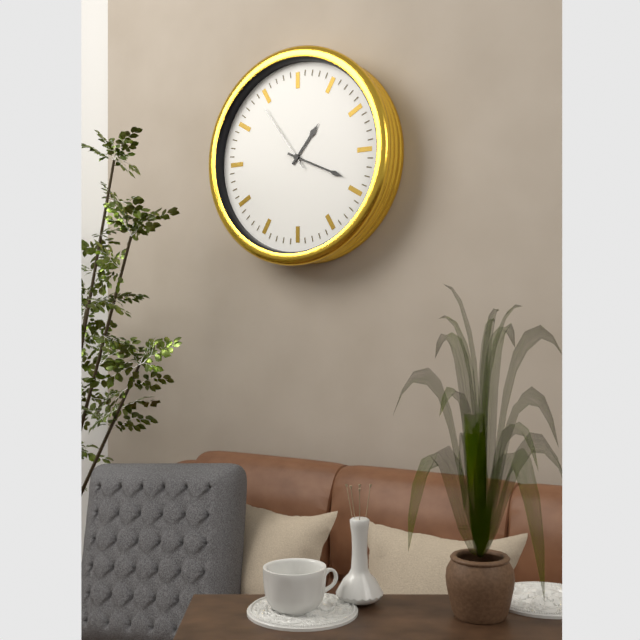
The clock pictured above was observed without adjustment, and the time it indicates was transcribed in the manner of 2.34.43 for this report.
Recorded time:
1.19.54
